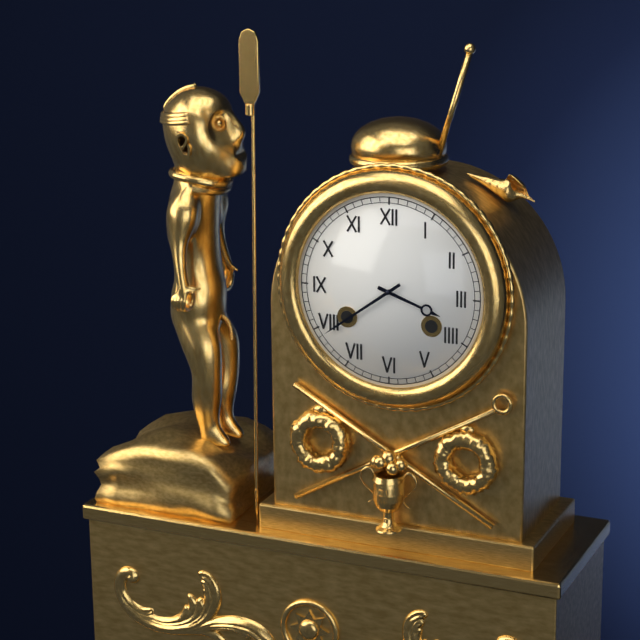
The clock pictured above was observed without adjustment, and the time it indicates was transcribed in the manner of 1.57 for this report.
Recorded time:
3.39
